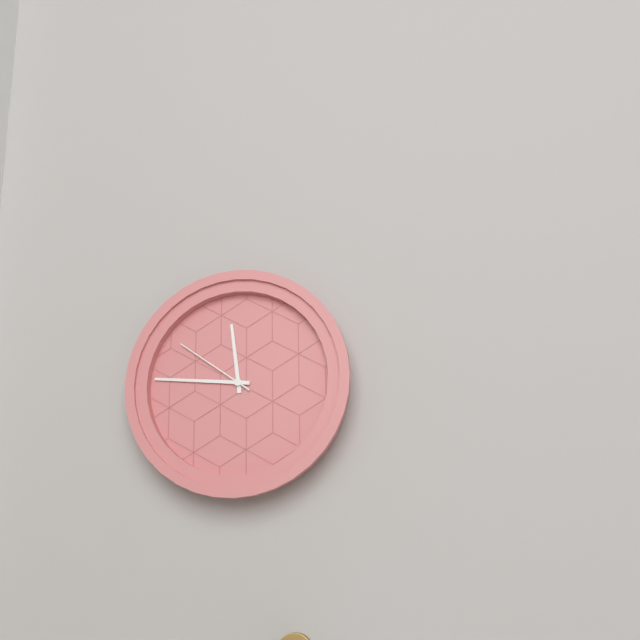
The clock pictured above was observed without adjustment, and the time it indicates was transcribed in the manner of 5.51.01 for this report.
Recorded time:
11.46.51
